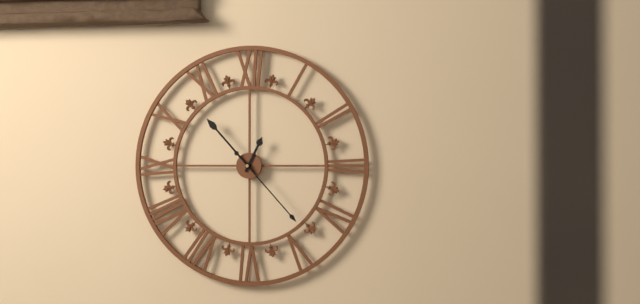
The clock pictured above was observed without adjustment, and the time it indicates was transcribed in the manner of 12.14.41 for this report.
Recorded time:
12.53.23
